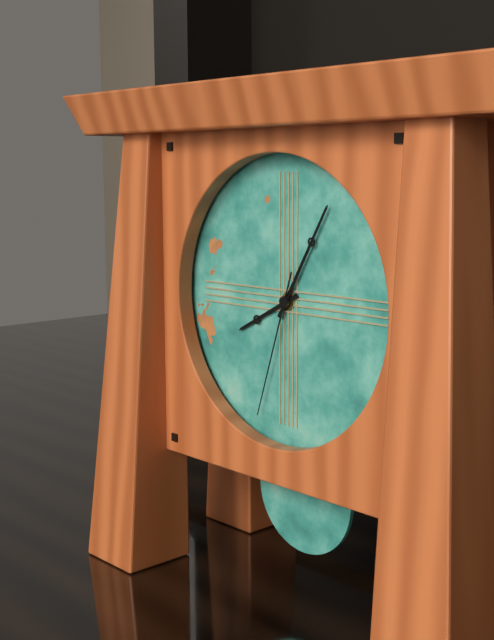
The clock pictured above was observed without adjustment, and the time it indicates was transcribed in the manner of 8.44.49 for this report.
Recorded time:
8.05.33
